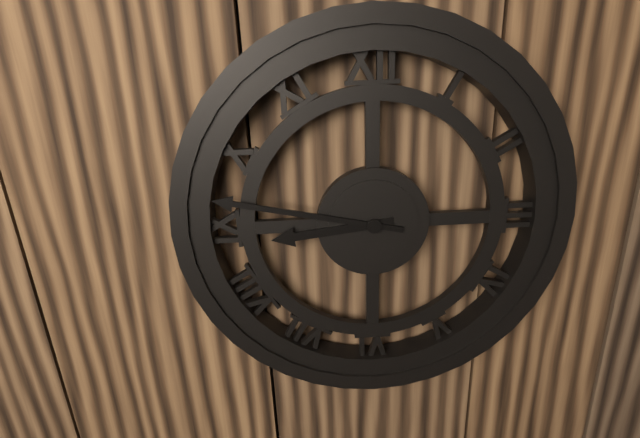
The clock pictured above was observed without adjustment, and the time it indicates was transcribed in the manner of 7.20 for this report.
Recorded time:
8.47
